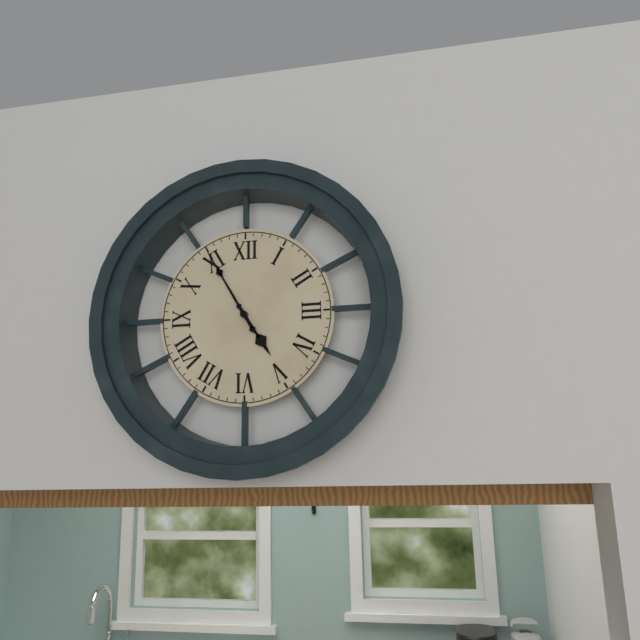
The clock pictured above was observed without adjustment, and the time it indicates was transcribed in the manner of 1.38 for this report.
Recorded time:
4.55
